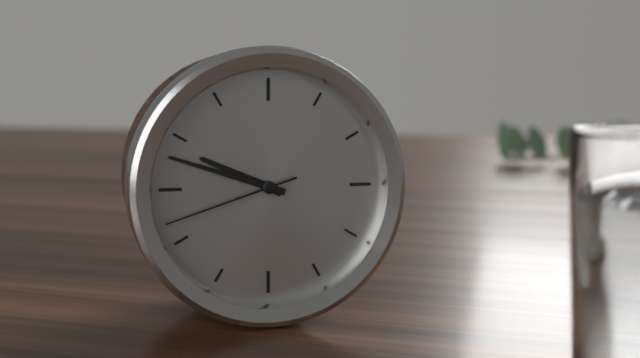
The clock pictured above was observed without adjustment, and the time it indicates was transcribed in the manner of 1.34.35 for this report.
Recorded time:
9.48.42
